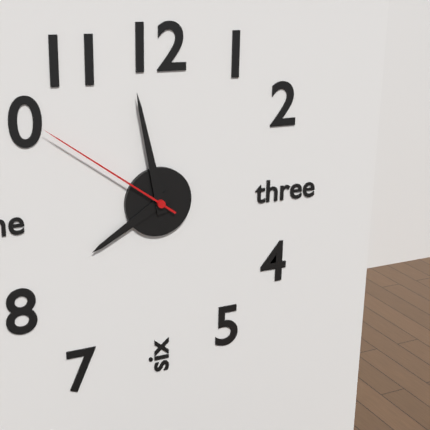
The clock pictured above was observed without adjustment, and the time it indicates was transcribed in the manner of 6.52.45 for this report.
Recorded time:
7.58.51
